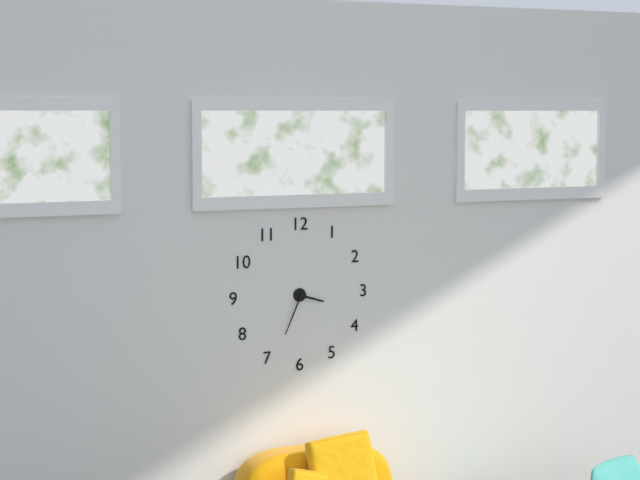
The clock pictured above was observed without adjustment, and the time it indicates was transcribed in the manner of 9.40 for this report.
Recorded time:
3.34
